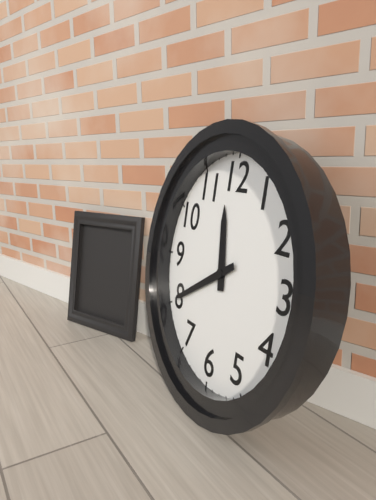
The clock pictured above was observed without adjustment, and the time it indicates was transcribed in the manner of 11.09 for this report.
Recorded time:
11.40
